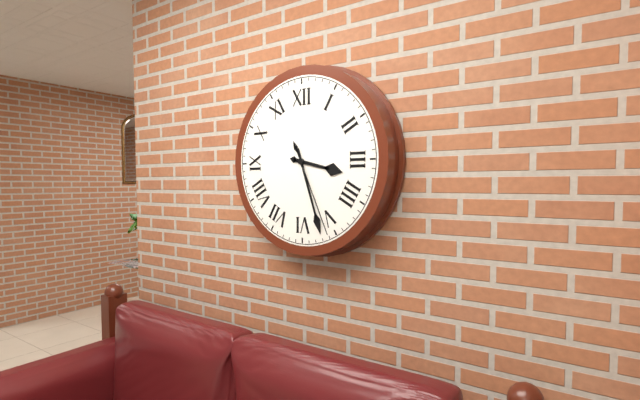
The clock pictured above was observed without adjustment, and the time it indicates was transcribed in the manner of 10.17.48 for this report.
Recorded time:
3.27.26
